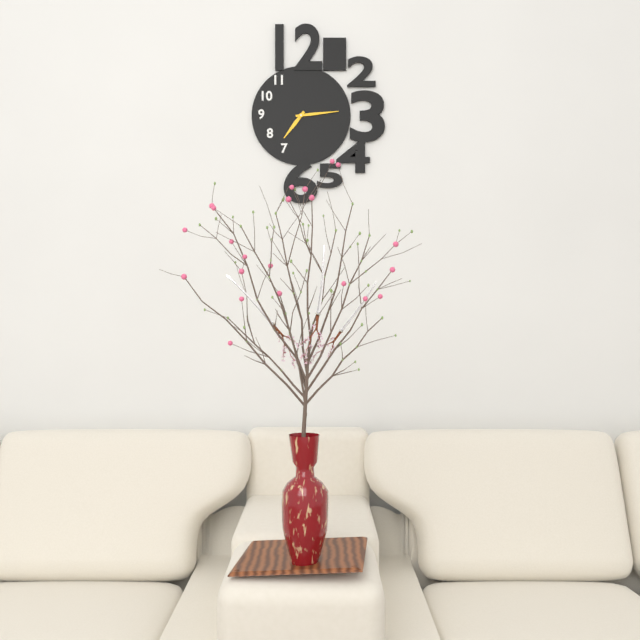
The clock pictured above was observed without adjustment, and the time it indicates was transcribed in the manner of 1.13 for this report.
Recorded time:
7.14
